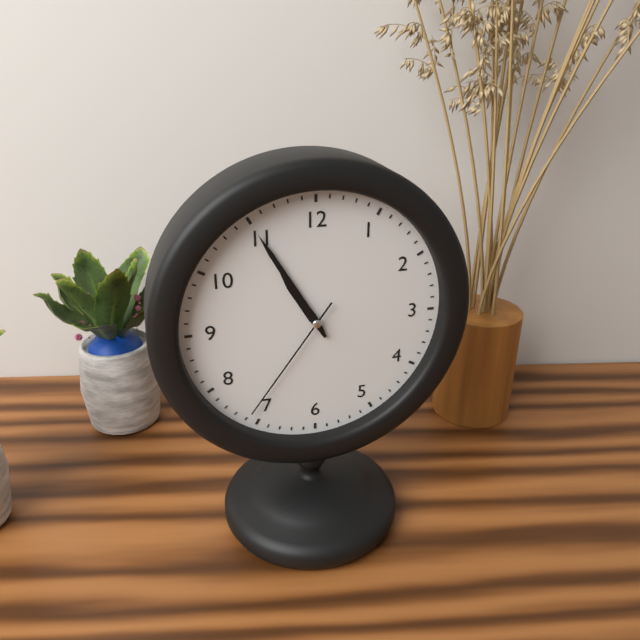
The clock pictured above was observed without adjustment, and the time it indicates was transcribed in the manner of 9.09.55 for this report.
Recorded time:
10.55.36
